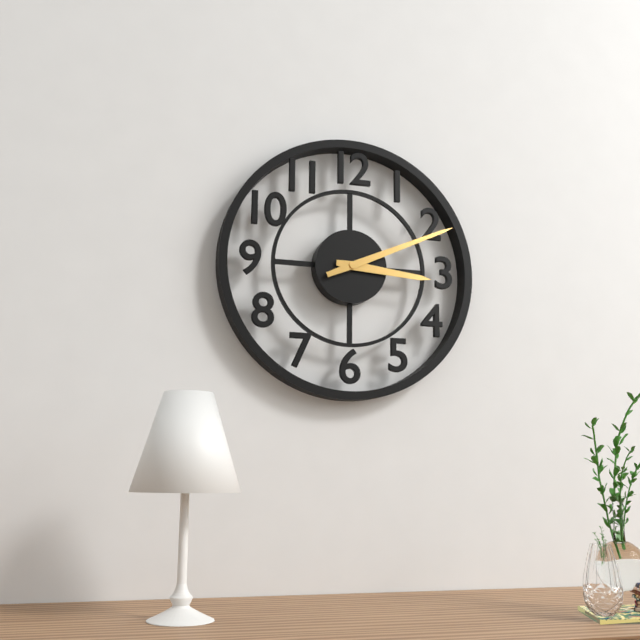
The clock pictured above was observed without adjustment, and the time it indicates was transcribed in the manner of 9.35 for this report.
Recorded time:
3.11
